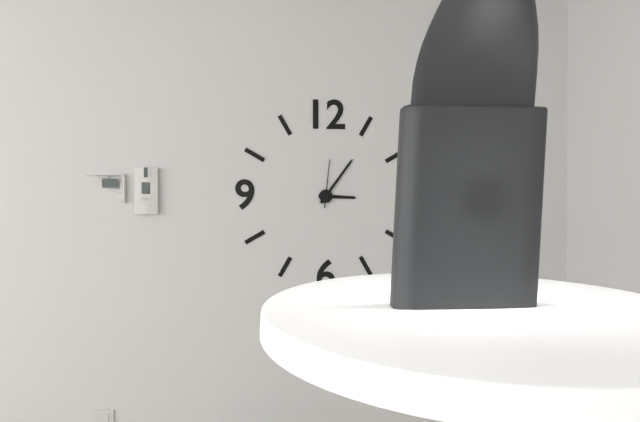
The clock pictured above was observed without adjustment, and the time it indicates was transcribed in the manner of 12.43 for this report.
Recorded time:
3.06
